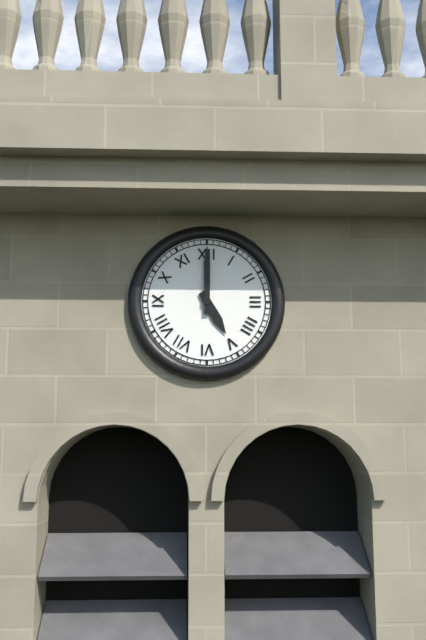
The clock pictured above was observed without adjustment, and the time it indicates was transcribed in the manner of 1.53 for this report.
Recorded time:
5.00
